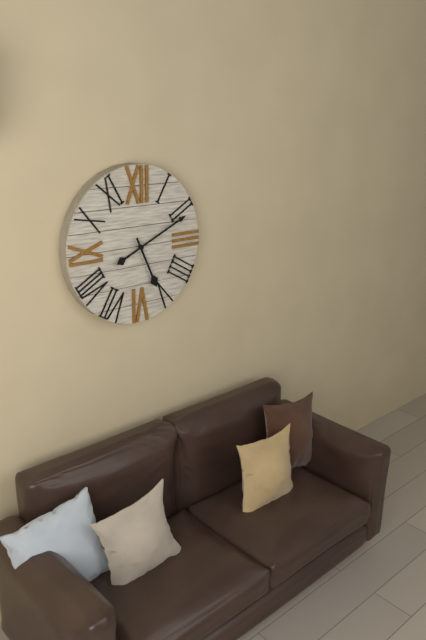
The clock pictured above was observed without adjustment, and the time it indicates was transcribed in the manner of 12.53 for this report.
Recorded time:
5.11
